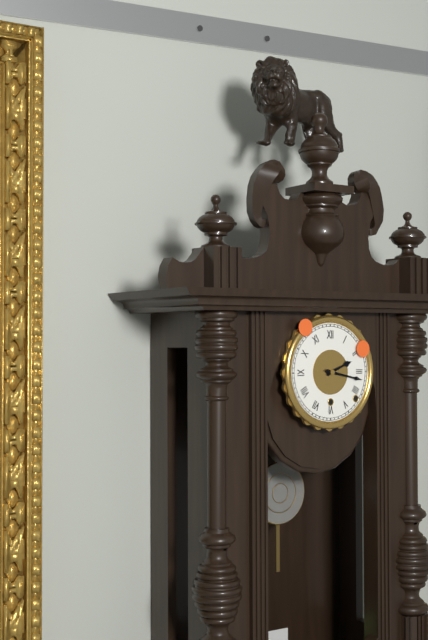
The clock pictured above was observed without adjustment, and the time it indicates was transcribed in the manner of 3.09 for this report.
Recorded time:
2.17
